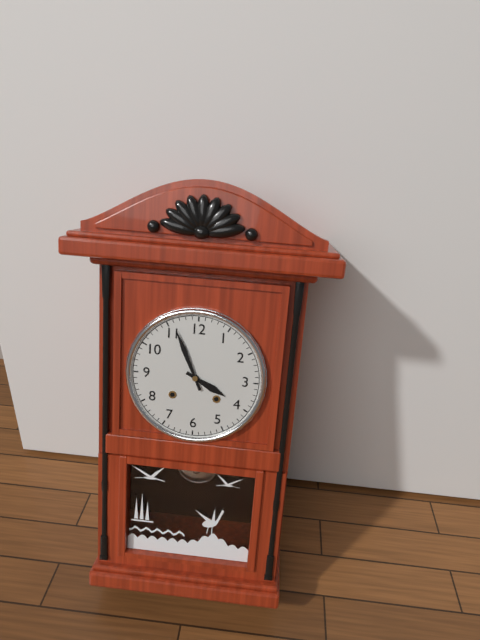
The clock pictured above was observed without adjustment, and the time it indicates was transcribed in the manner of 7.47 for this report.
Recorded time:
3.56
